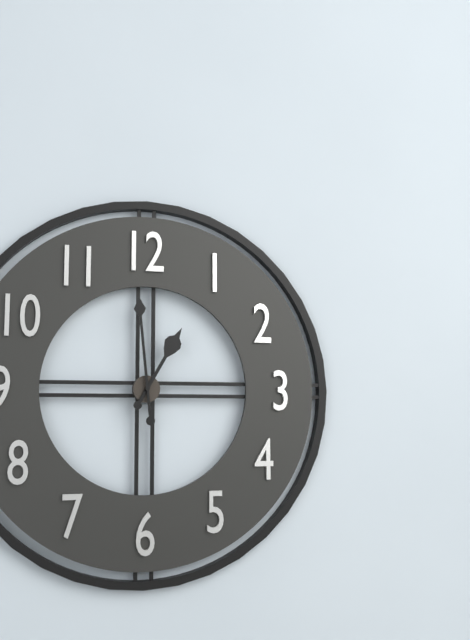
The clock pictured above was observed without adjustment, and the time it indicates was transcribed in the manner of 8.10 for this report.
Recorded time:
12.59
